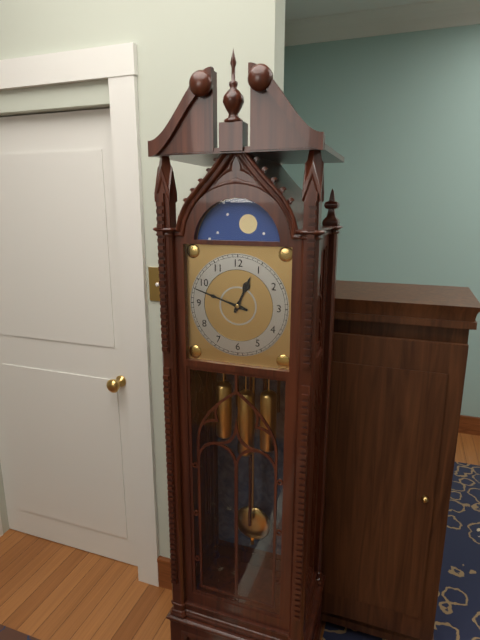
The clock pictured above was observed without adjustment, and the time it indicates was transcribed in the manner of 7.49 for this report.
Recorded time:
12.48
